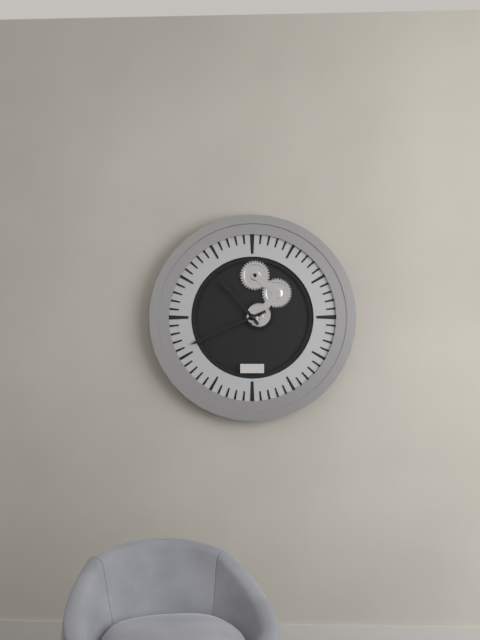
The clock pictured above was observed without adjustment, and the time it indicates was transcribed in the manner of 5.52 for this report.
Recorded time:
10.41
